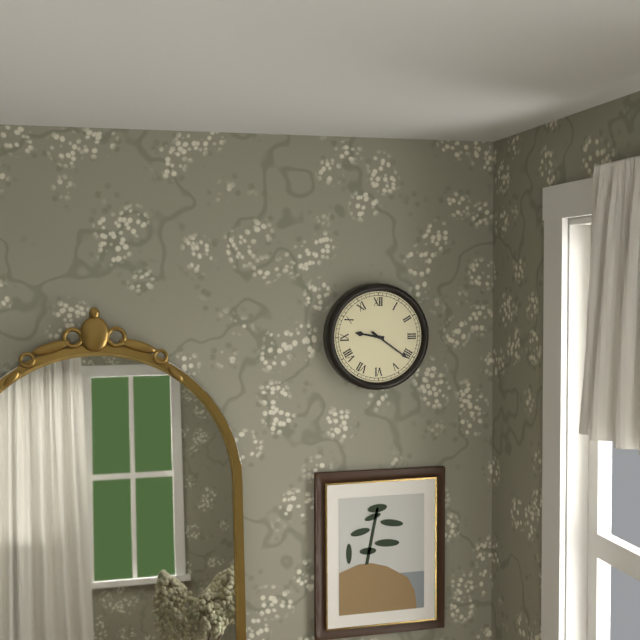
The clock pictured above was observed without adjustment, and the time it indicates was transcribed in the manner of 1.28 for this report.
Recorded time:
9.21
